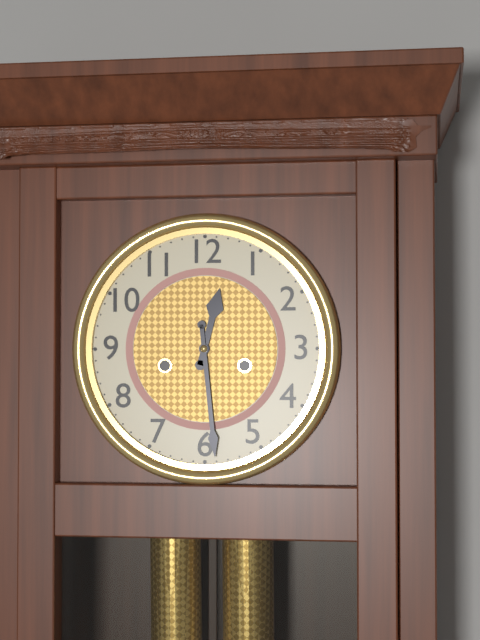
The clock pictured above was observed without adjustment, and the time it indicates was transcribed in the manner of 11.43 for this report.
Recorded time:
12.29
